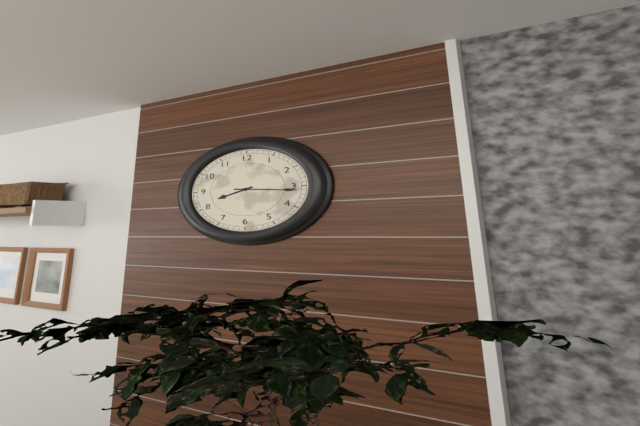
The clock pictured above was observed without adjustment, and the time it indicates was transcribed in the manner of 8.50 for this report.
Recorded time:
8.16
